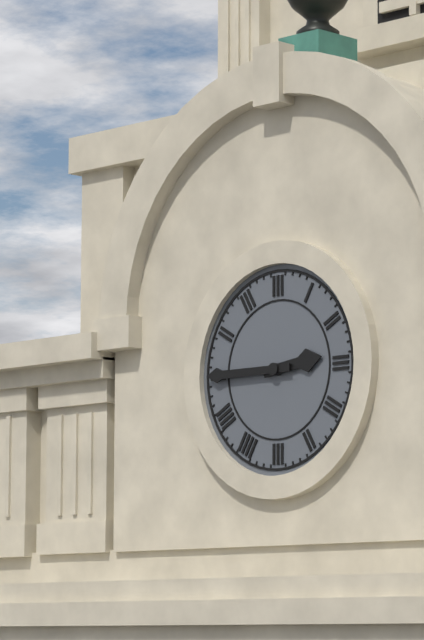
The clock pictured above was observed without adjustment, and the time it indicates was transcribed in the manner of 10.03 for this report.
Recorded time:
2.45
